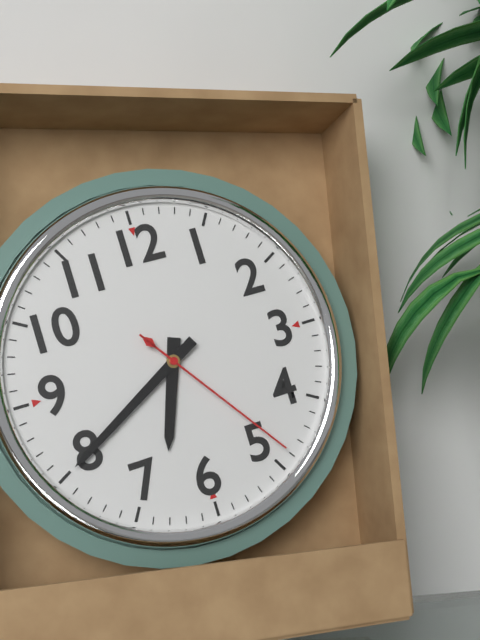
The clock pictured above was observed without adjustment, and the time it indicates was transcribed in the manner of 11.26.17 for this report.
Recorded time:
6.40.24
